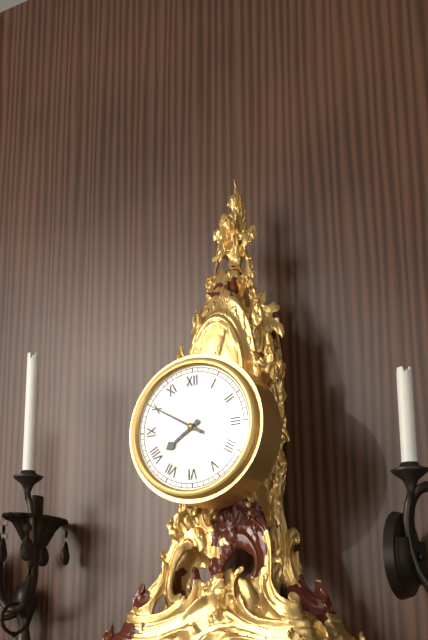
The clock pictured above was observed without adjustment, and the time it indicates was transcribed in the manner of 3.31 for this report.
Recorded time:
7.50
